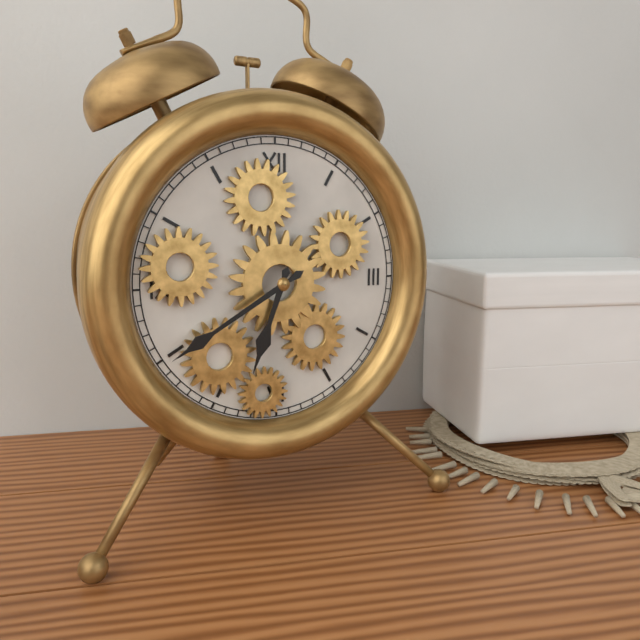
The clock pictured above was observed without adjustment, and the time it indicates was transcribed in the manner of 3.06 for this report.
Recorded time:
6.40
